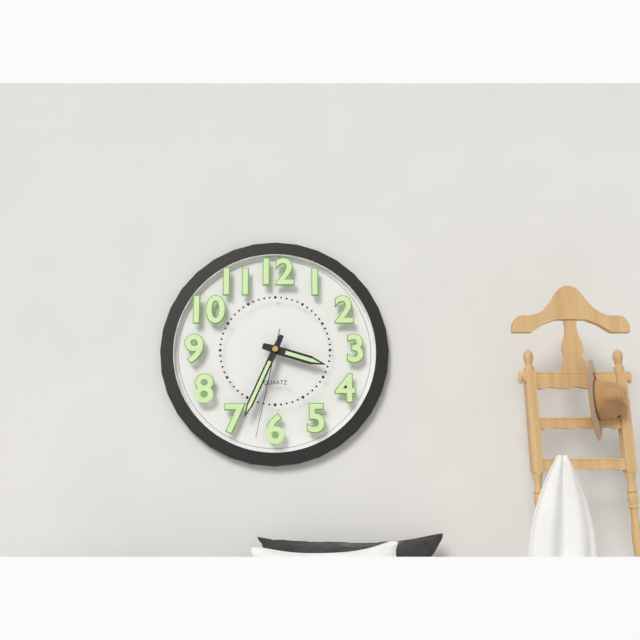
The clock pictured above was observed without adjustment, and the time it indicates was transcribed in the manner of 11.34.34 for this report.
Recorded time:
3.34.32
